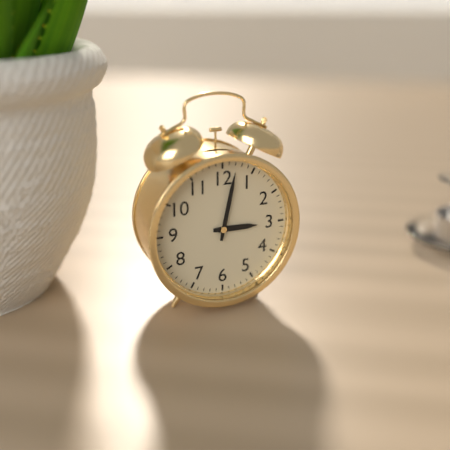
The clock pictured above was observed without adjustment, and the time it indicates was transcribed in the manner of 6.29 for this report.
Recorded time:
3.02
